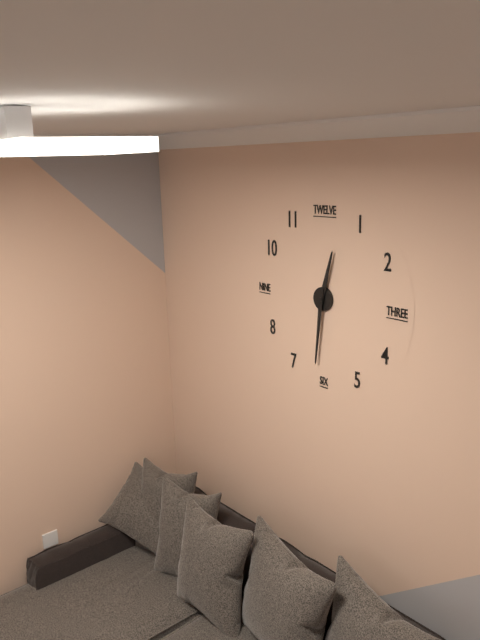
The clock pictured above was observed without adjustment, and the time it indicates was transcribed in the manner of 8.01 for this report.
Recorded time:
12.31
